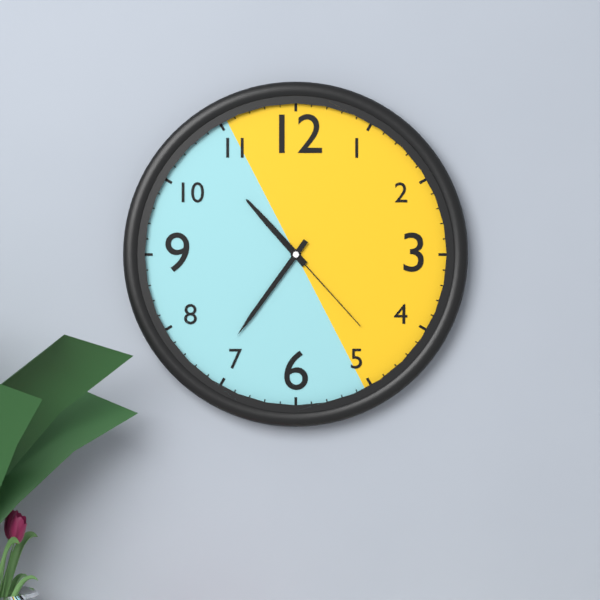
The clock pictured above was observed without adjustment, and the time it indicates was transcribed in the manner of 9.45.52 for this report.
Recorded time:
10.36.23
